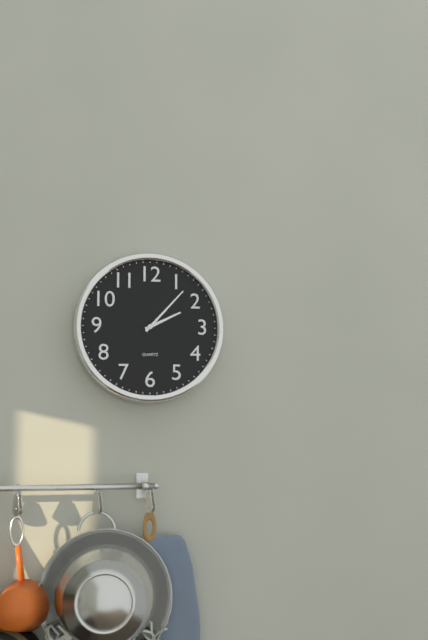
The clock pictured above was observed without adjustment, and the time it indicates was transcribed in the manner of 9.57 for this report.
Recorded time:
2.07
